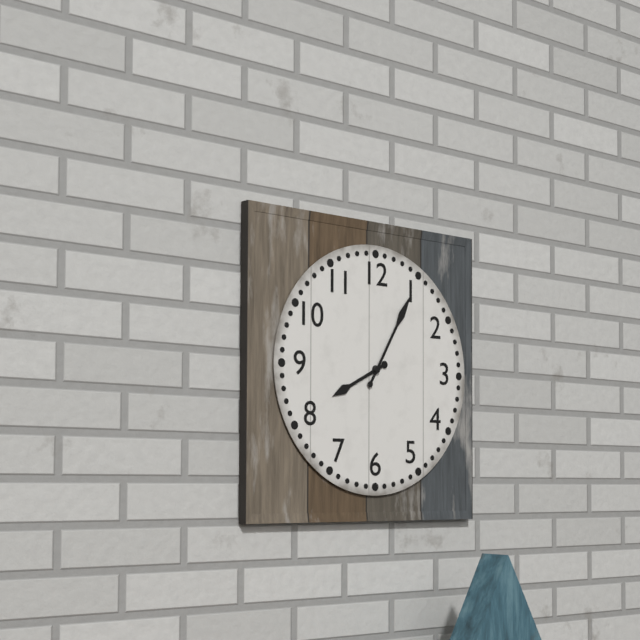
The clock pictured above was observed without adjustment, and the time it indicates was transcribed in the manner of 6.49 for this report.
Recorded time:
8.05
